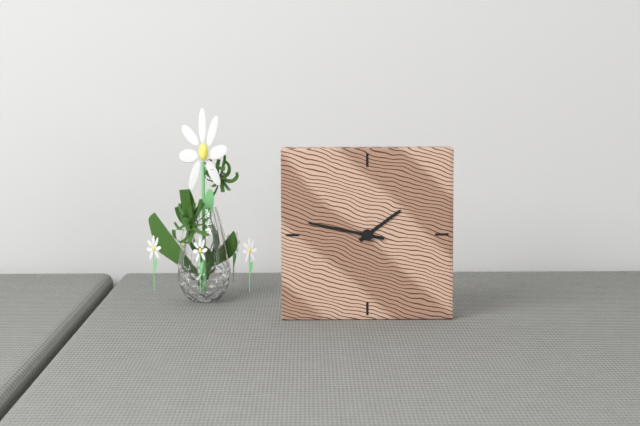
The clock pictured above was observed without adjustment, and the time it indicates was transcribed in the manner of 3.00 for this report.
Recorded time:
1.47
